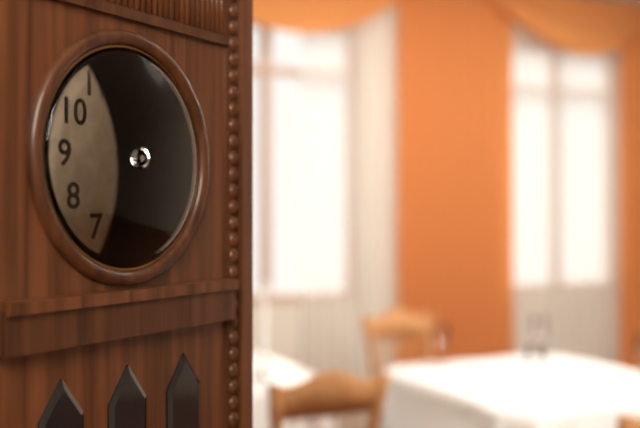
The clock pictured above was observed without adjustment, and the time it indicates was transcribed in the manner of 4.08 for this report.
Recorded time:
3.24
